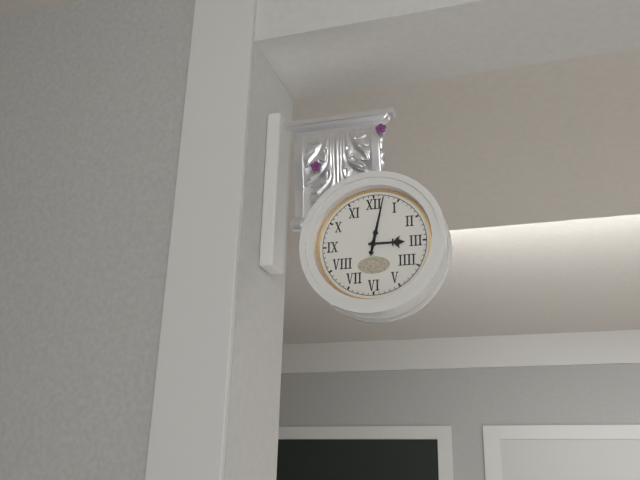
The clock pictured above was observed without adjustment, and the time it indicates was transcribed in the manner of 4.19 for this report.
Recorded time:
3.02
